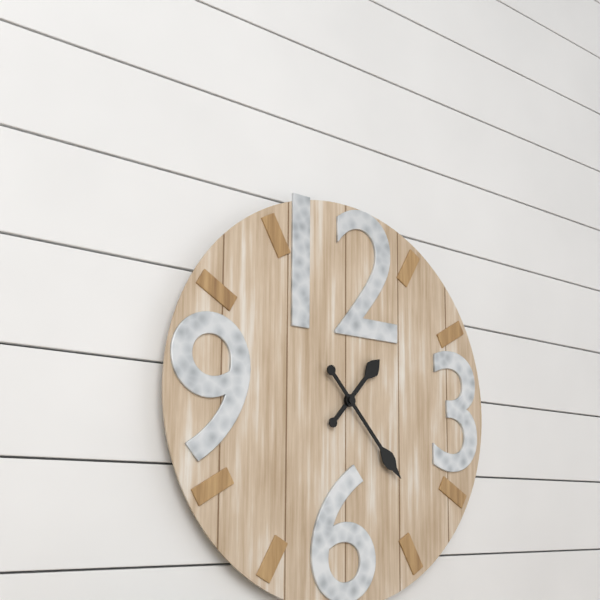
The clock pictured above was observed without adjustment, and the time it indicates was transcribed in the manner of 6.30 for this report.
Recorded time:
1.23
